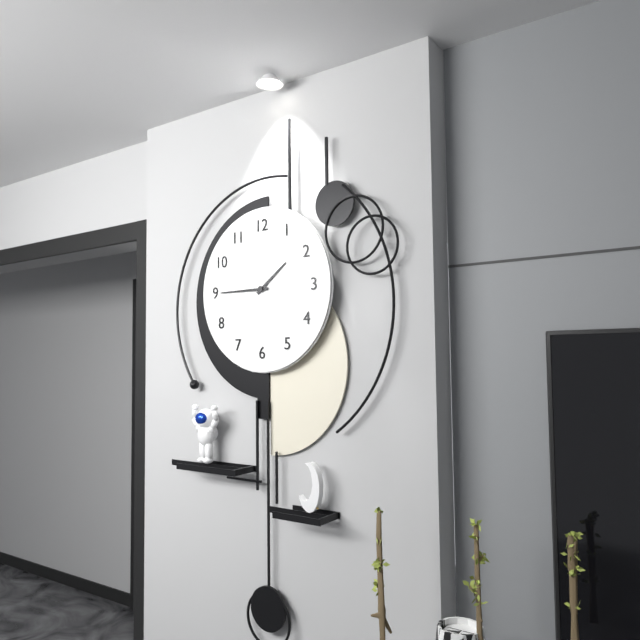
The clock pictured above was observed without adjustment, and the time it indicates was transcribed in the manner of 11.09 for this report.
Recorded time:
1.45
